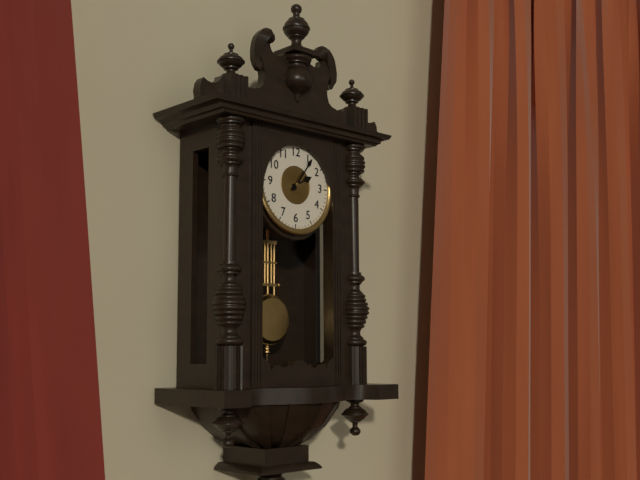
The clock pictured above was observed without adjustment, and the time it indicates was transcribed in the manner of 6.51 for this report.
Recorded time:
2.06
